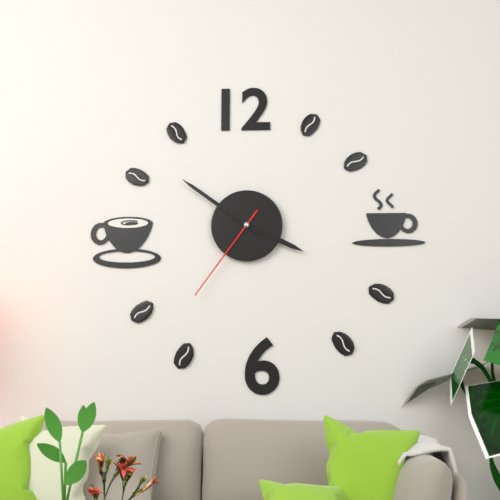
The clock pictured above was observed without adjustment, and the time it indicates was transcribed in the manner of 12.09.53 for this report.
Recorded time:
3.51.36
